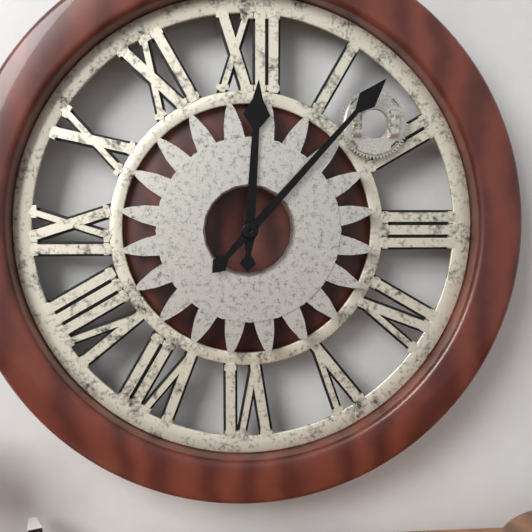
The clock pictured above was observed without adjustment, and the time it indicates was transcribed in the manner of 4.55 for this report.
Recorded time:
12.07
